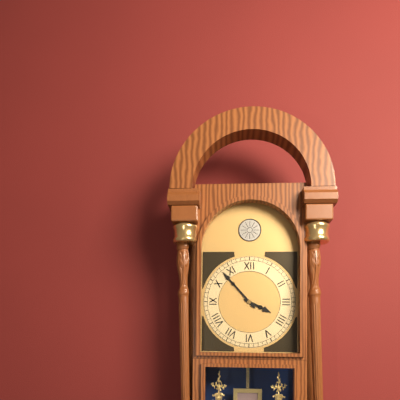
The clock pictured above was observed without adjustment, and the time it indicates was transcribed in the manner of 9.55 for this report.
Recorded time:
3.53
